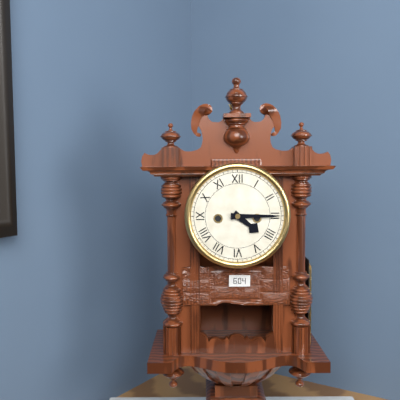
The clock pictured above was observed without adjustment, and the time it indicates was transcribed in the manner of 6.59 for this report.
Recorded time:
4.15
